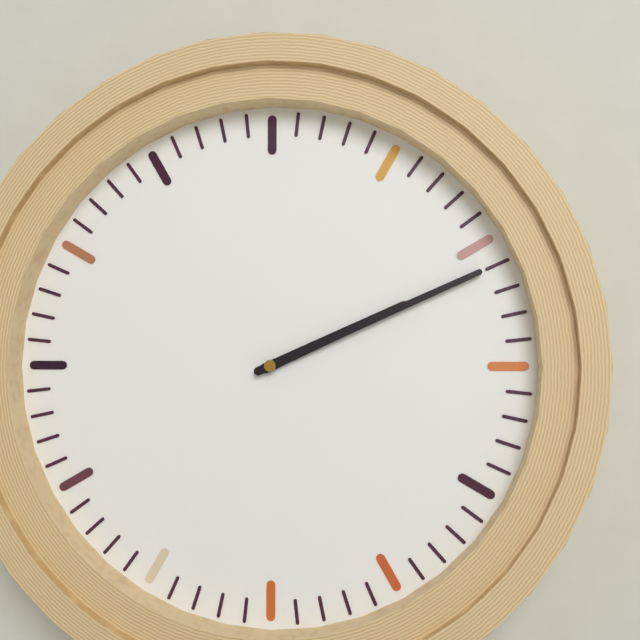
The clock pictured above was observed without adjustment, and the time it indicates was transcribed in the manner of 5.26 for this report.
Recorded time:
2.11
